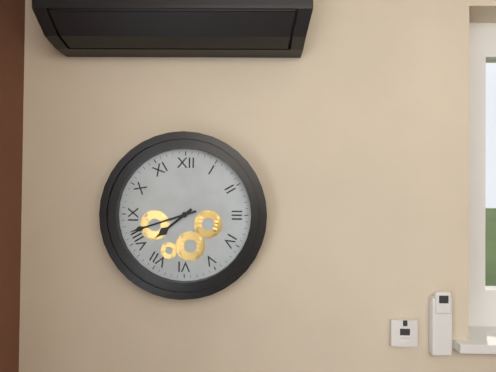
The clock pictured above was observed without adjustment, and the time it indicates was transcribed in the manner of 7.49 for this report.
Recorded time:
7.42
